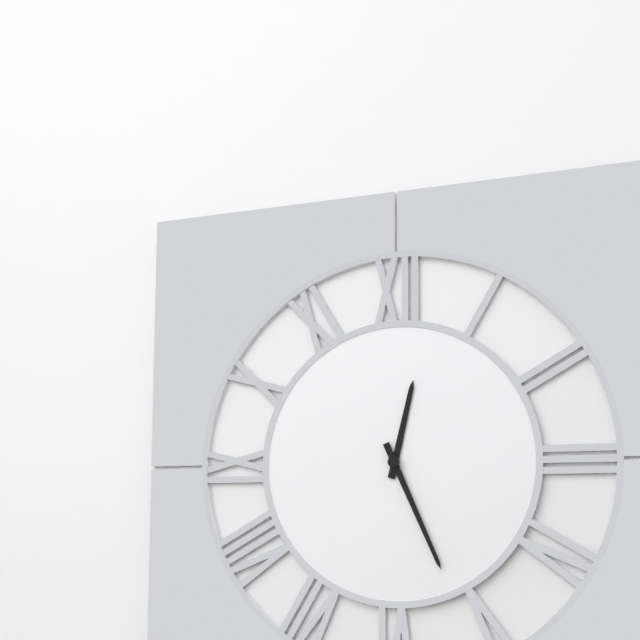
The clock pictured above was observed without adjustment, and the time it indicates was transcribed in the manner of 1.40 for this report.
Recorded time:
12.26
